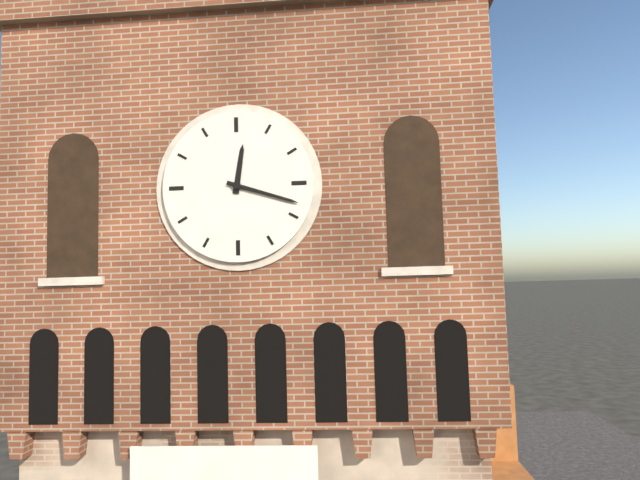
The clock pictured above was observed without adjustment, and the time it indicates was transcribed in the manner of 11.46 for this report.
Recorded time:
12.18
